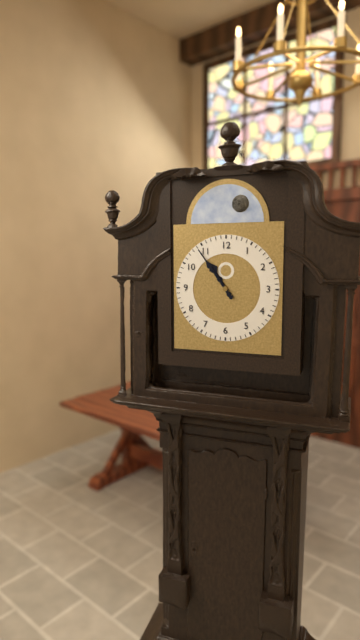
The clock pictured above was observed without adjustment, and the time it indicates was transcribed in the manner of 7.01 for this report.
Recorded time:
10.54
